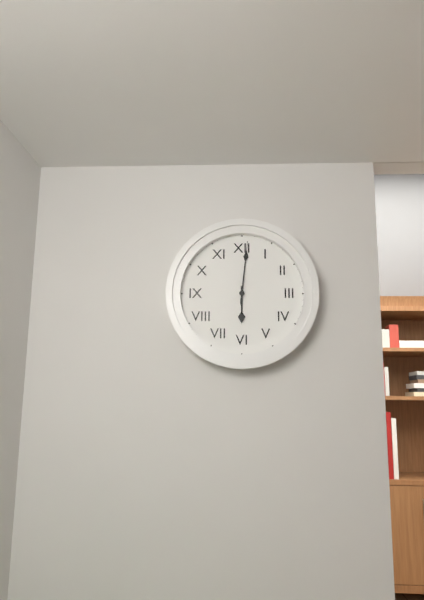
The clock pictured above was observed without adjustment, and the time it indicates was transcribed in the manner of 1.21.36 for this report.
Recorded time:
6.01.01
